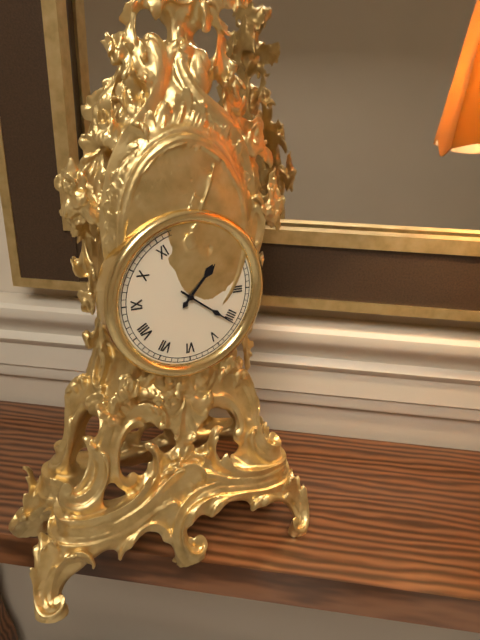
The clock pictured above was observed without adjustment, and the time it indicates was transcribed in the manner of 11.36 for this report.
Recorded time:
1.21
